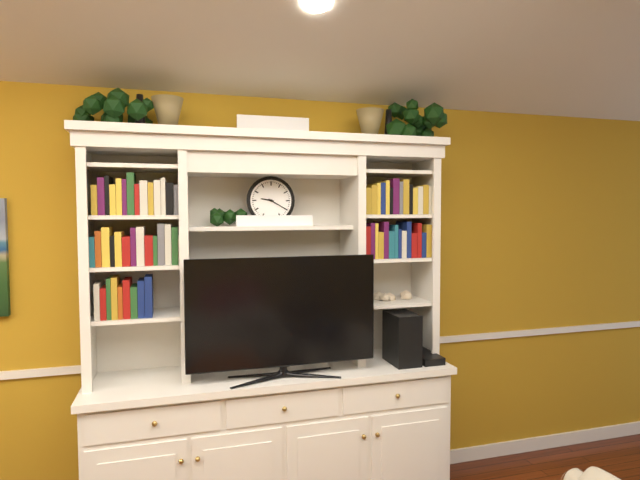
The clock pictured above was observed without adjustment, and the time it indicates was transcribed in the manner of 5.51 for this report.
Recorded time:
9.20
